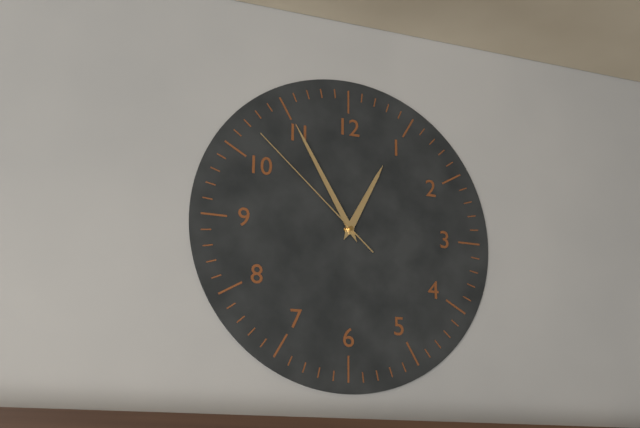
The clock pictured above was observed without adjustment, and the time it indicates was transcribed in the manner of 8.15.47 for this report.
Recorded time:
12.55.52
